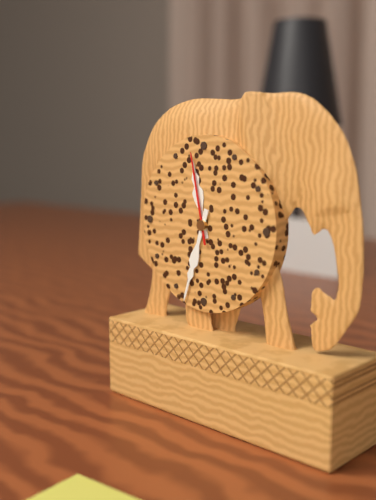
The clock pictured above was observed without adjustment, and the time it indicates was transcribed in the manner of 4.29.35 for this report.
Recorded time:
11.33.58
